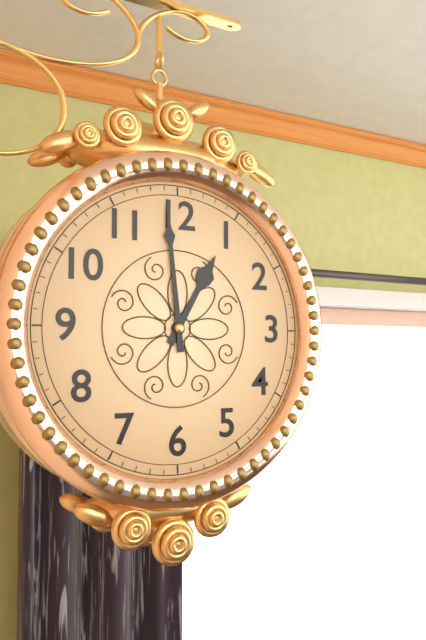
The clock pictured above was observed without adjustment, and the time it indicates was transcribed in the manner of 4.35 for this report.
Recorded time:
12.59
